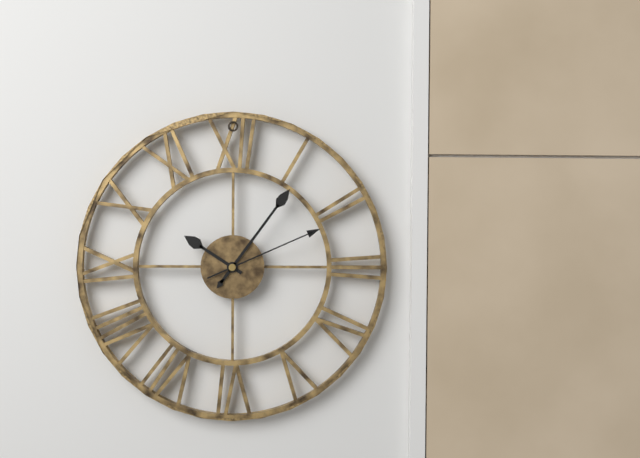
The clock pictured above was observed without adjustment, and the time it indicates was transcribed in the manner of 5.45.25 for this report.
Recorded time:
10.06.11
